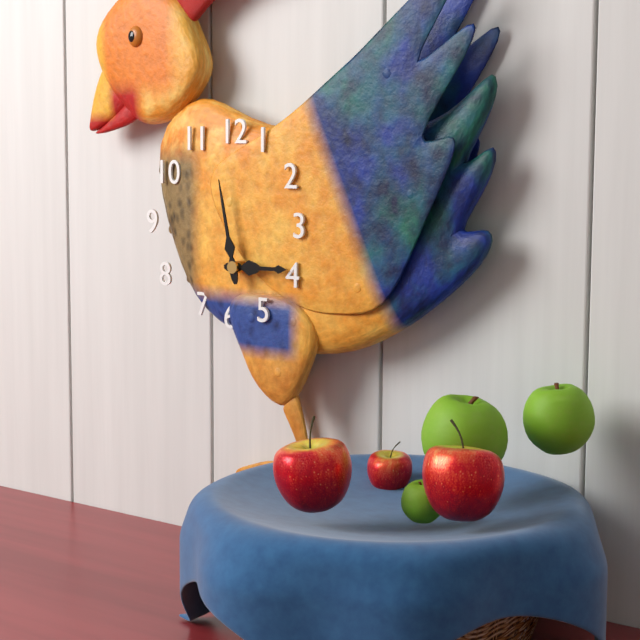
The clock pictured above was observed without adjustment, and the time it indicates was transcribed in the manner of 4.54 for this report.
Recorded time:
2.58
